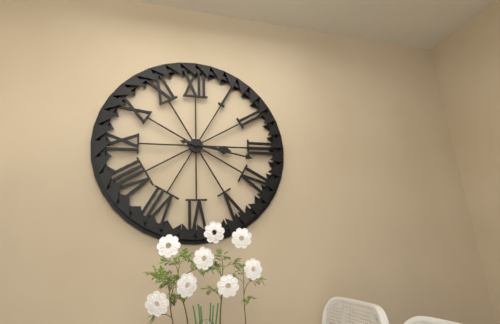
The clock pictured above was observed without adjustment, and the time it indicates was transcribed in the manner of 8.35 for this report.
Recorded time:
3.17
